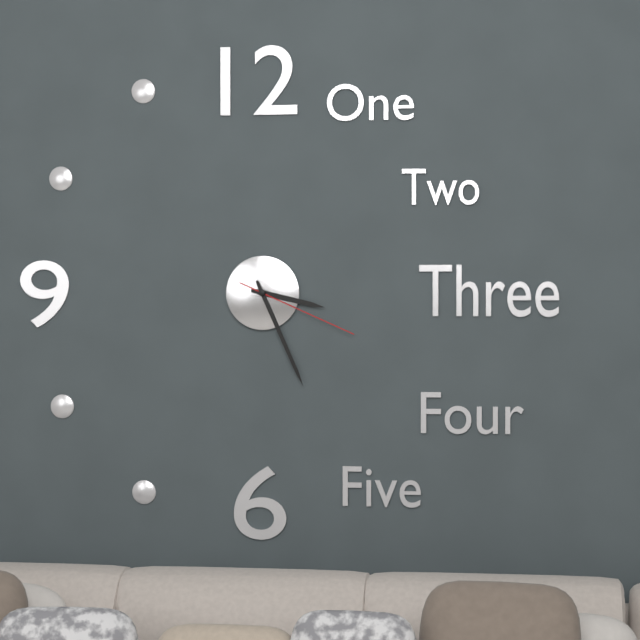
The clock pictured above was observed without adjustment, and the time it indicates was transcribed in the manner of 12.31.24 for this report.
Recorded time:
3.26.19
